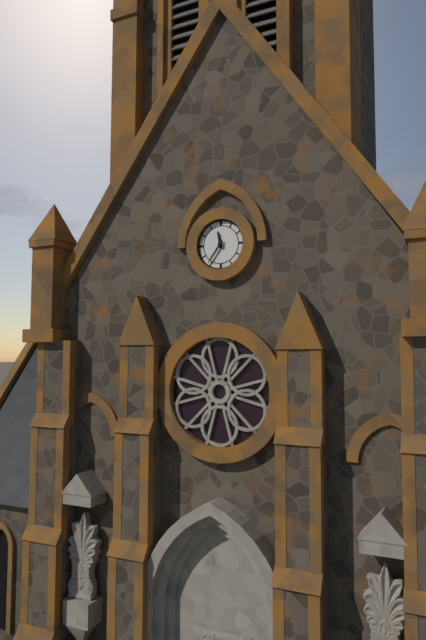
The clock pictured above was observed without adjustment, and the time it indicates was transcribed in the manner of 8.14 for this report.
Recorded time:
11.36
